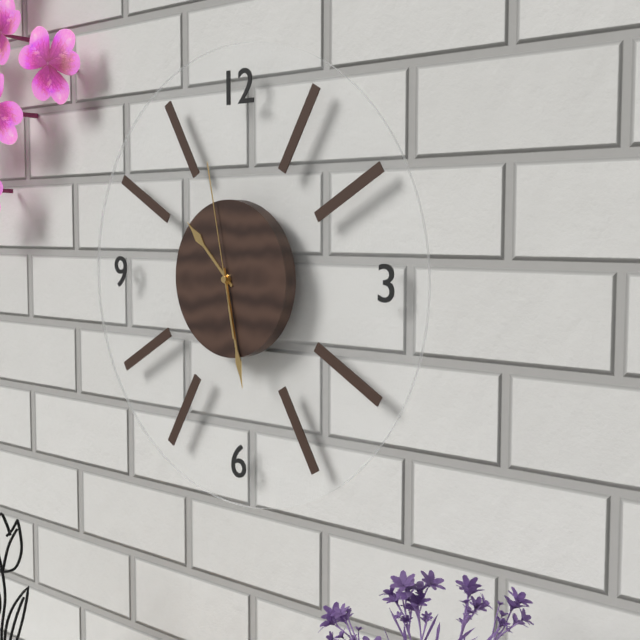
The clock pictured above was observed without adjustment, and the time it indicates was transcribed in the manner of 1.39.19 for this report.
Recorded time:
10.28.58
